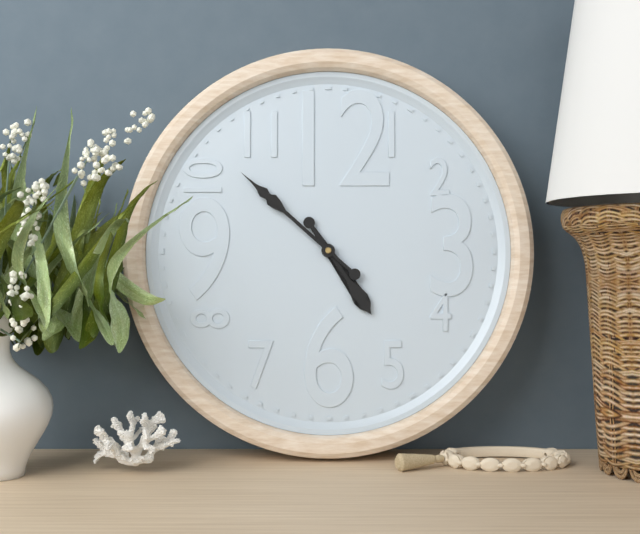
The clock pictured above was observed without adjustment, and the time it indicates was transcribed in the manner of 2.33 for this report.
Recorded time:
4.52
